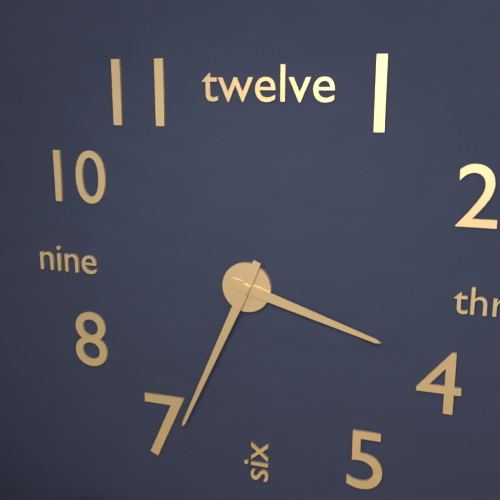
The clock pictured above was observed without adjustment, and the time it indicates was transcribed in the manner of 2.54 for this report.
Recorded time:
3.34
